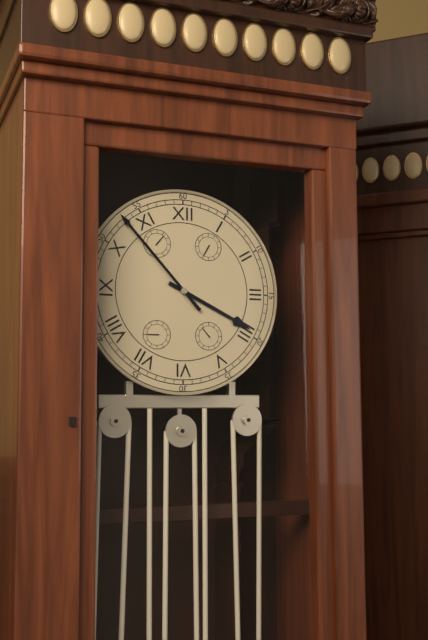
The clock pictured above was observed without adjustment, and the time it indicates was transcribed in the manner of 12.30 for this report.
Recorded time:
3.53
